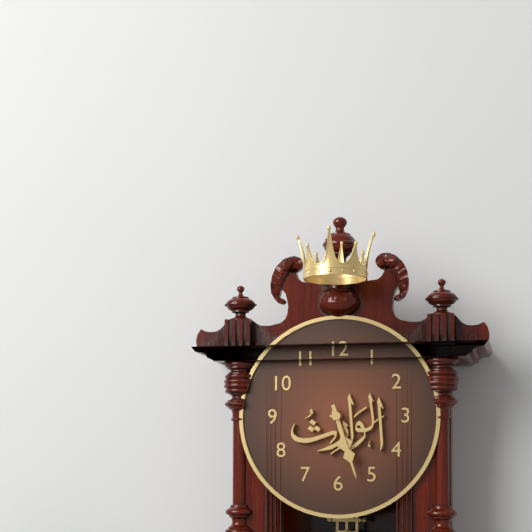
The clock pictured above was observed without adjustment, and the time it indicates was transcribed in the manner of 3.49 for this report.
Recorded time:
5.27
